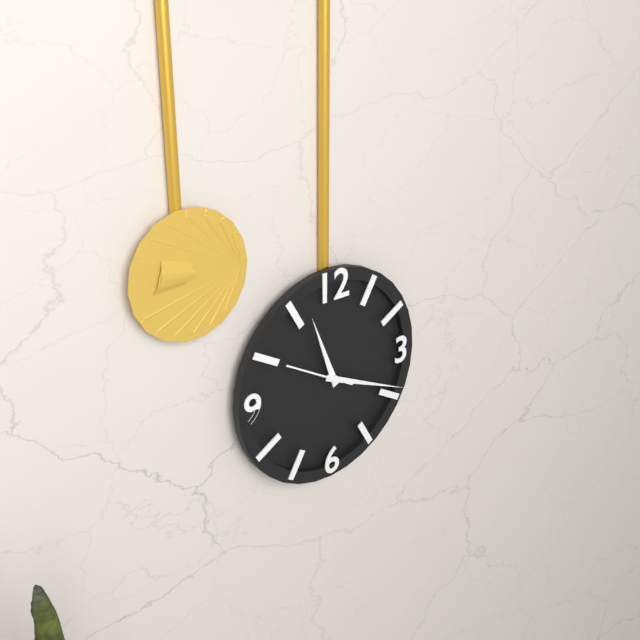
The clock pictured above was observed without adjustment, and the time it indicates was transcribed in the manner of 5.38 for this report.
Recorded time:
11.19
